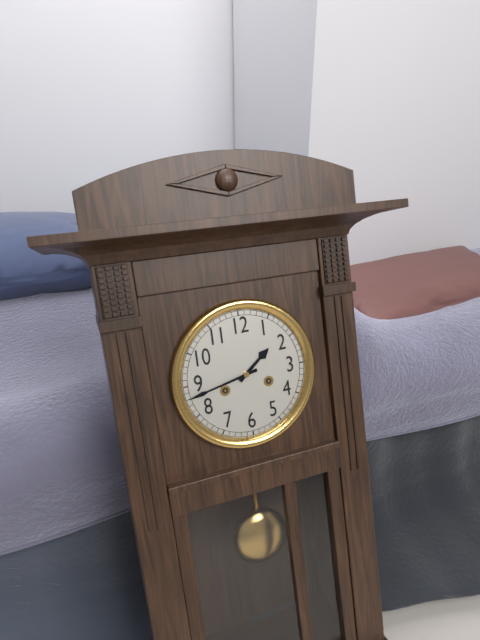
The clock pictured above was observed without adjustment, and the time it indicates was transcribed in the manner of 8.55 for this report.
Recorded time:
1.43
